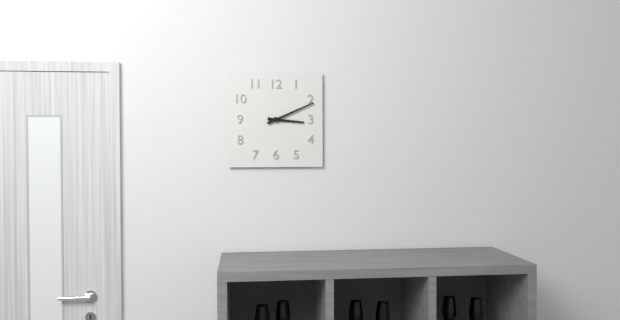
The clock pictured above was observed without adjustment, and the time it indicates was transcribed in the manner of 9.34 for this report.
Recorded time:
3.11
